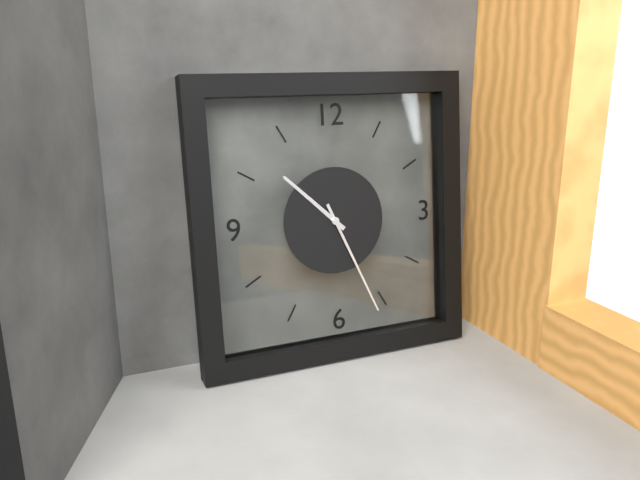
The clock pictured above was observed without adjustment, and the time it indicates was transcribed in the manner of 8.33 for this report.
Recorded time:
10.26
